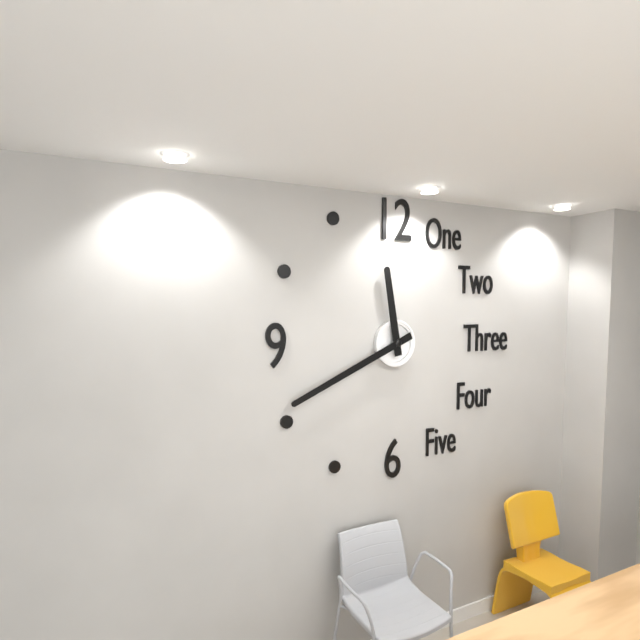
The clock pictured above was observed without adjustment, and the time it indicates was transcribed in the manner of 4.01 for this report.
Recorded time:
11.41
